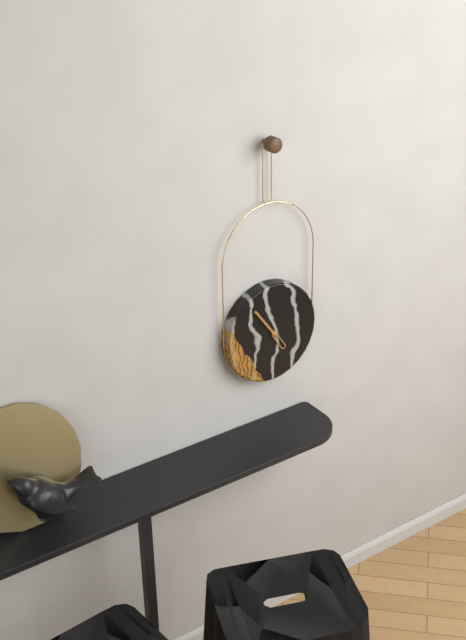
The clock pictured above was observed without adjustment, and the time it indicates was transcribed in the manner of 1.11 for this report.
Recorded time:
4.54
